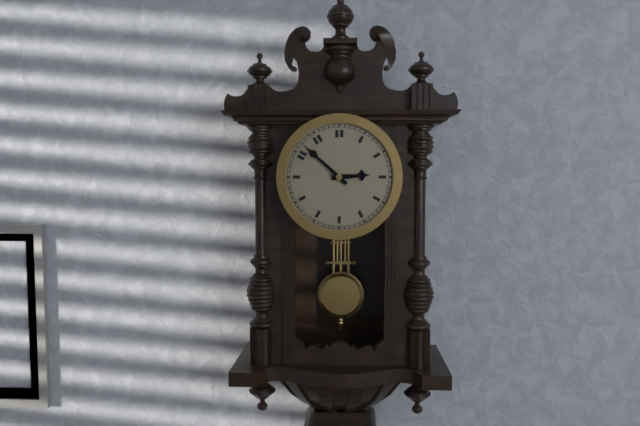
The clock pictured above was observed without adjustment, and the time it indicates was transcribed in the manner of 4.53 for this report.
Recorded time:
2.52
